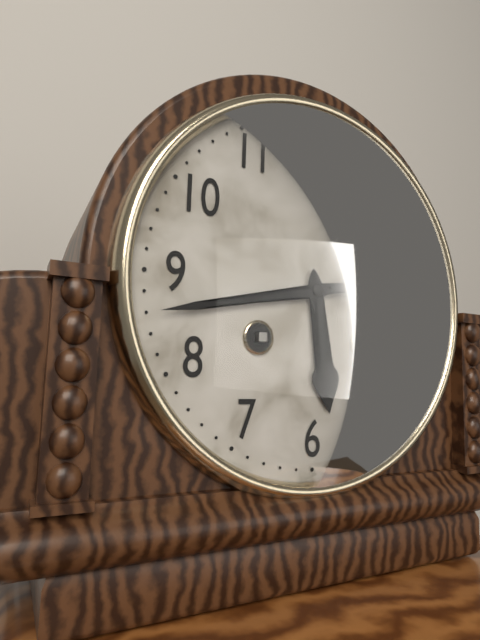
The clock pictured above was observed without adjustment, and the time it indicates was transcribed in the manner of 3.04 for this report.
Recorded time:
5.43
